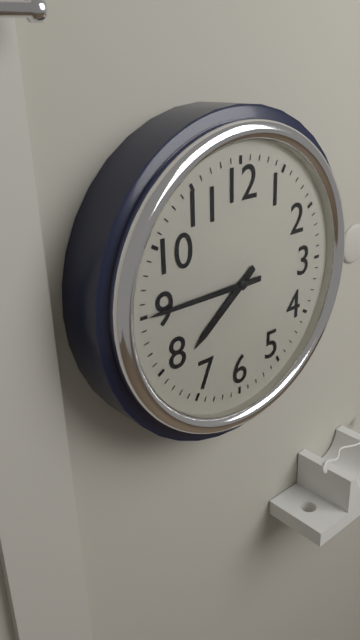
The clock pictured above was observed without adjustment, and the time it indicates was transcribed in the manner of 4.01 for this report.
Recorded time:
7.45
